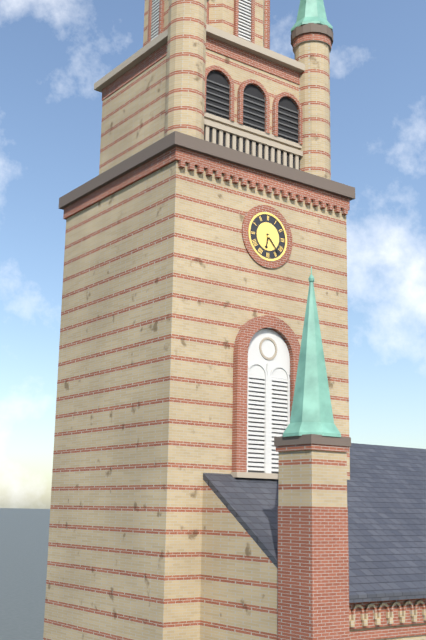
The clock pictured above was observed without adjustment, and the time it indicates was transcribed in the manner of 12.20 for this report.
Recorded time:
6.23
